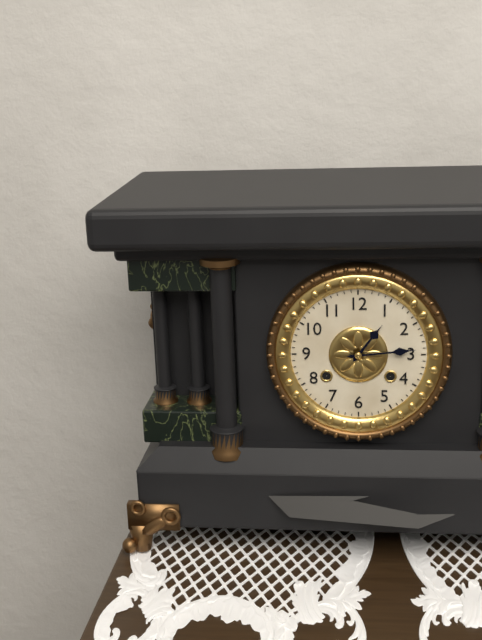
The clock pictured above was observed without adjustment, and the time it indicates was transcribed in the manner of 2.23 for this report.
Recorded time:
1.14
